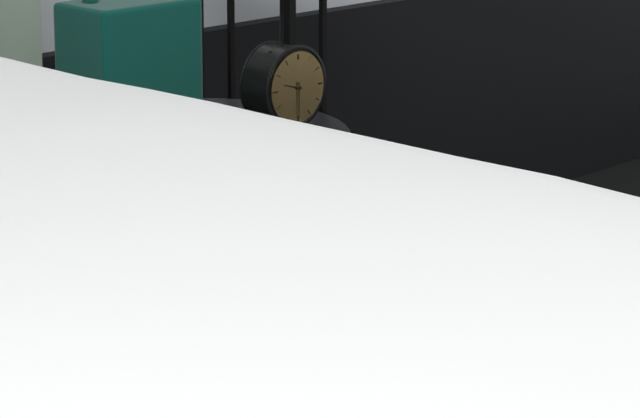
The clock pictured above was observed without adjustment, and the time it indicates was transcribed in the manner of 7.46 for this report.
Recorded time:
9.30
